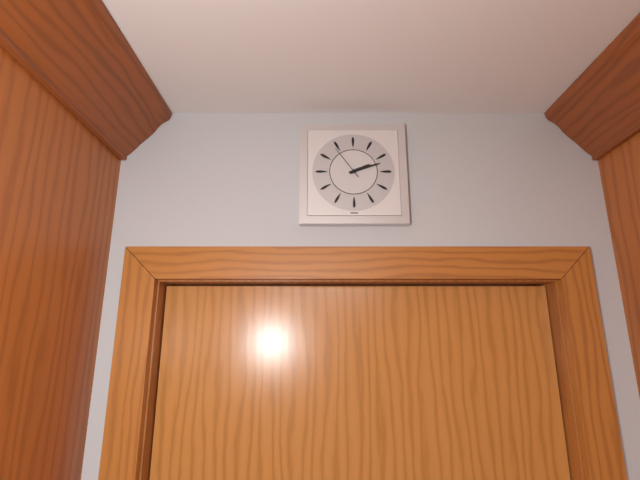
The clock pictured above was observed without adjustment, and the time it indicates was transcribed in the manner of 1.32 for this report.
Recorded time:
2.12
